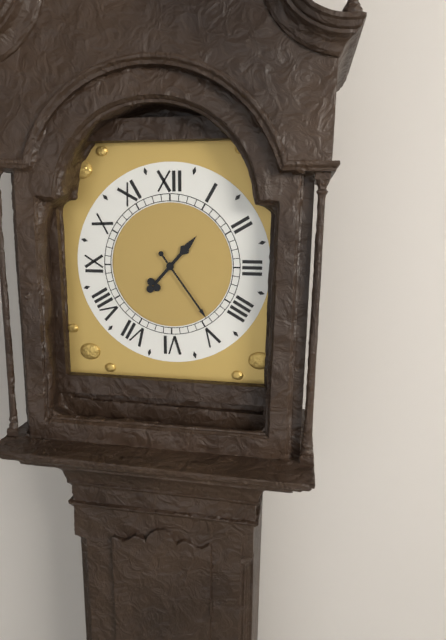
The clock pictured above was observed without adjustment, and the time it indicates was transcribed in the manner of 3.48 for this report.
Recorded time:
1.24
